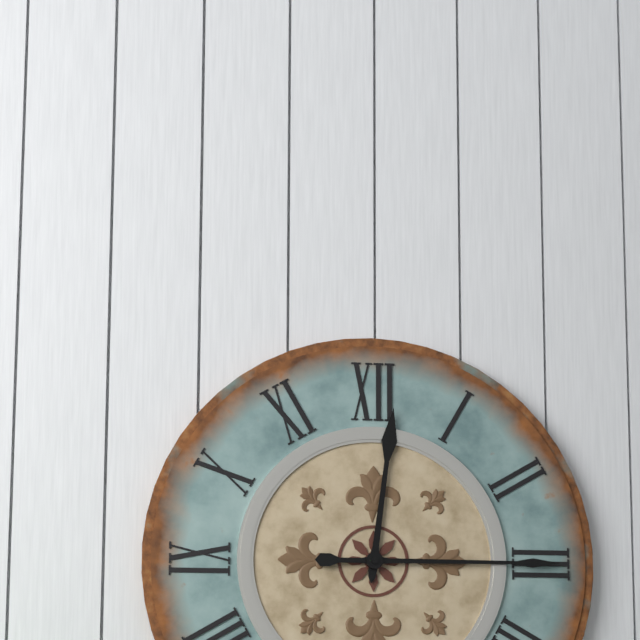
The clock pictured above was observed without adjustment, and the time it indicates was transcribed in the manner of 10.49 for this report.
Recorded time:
12.15
